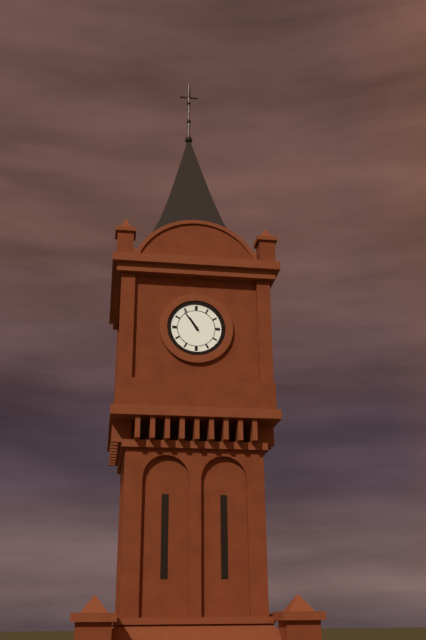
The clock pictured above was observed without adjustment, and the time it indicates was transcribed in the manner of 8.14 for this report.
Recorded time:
10.54
